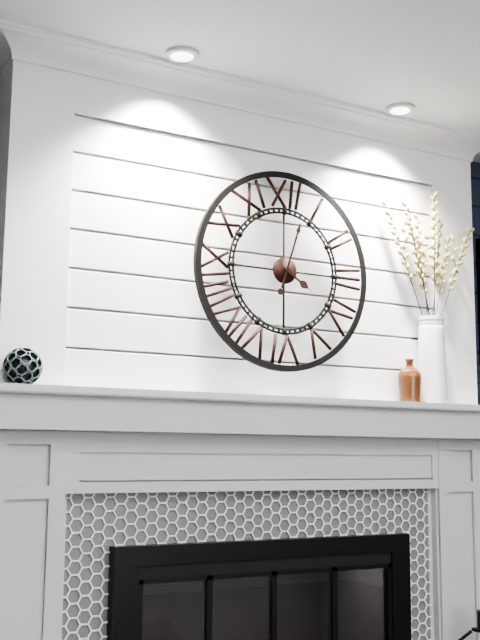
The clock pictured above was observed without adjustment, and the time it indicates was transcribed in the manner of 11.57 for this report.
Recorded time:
4.03
